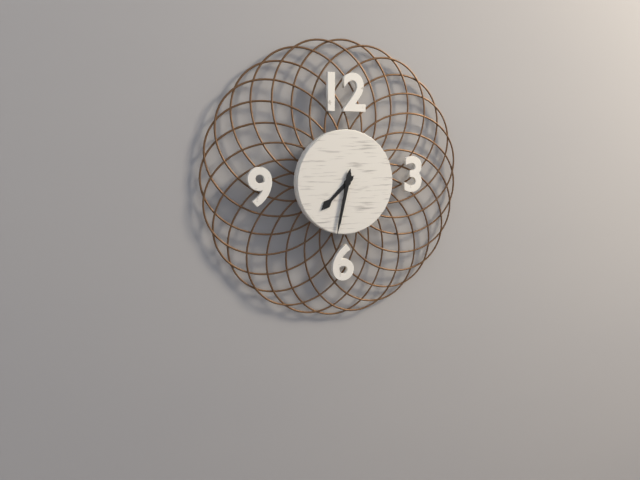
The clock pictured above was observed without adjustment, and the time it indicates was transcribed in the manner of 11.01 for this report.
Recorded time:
7.32
